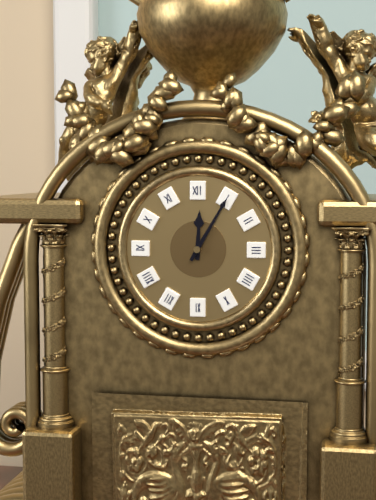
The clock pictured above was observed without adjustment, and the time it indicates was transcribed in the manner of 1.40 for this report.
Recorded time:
12.05
